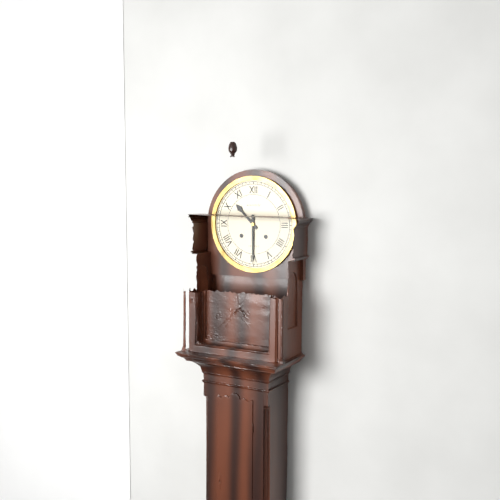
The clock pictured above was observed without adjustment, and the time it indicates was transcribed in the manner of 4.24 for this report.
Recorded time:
10.30
